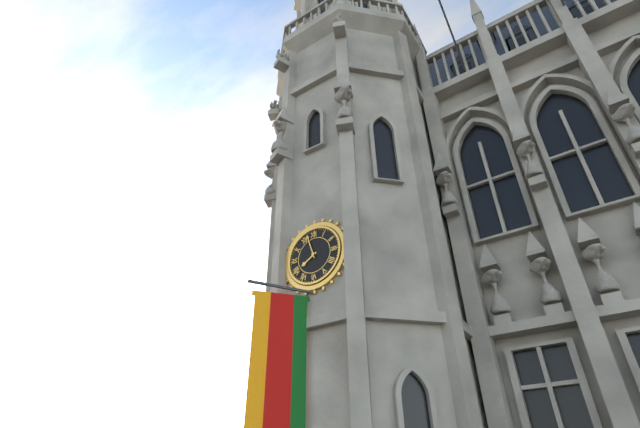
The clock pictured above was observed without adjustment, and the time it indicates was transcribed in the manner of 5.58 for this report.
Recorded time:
7.57
